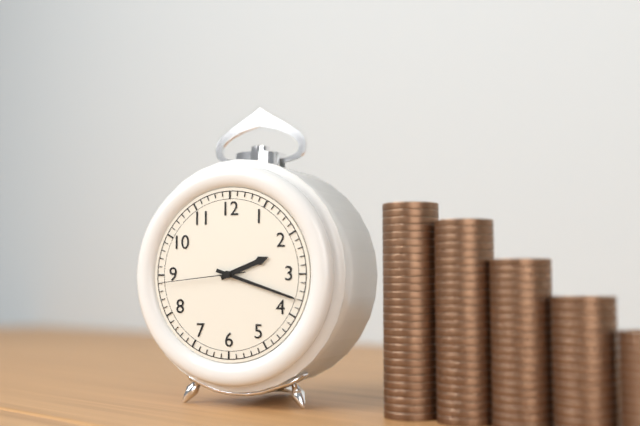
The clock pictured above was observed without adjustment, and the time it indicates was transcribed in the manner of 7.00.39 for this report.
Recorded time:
2.18.44
